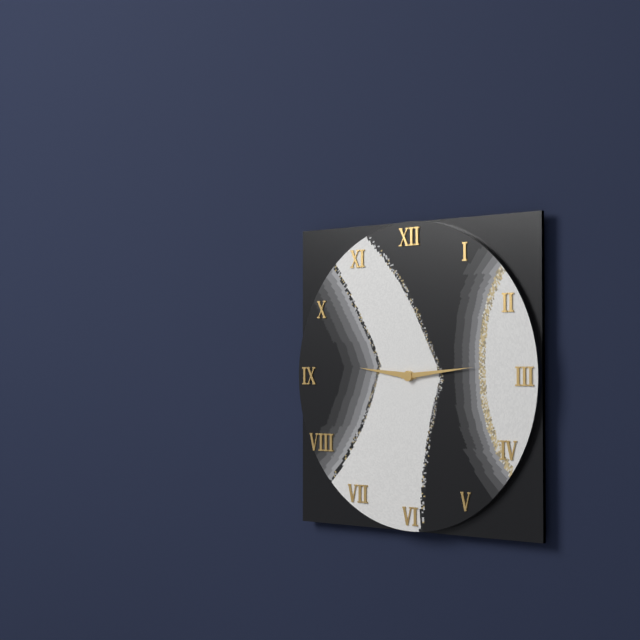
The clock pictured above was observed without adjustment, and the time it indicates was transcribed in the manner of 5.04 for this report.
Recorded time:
9.14
